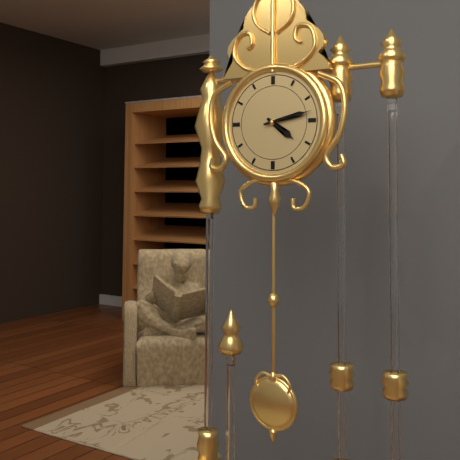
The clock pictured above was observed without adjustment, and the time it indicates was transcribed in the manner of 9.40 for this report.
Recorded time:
4.13
